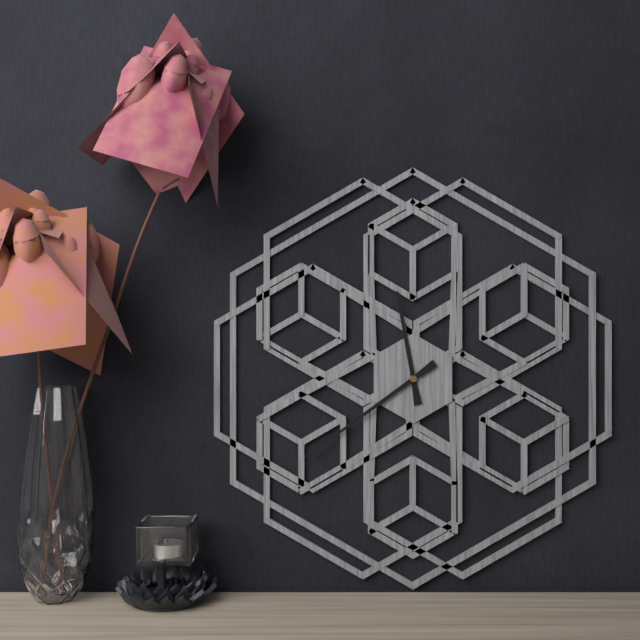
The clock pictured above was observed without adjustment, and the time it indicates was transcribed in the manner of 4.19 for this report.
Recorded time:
11.39
